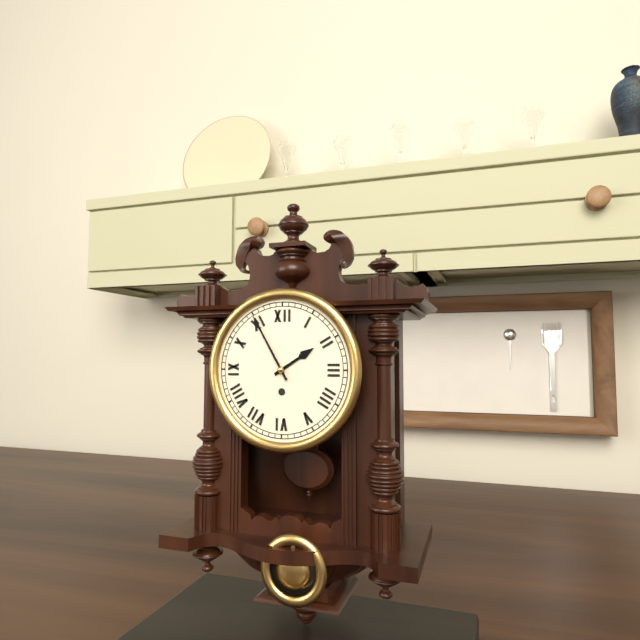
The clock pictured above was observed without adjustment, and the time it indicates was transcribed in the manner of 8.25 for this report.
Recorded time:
1.55
